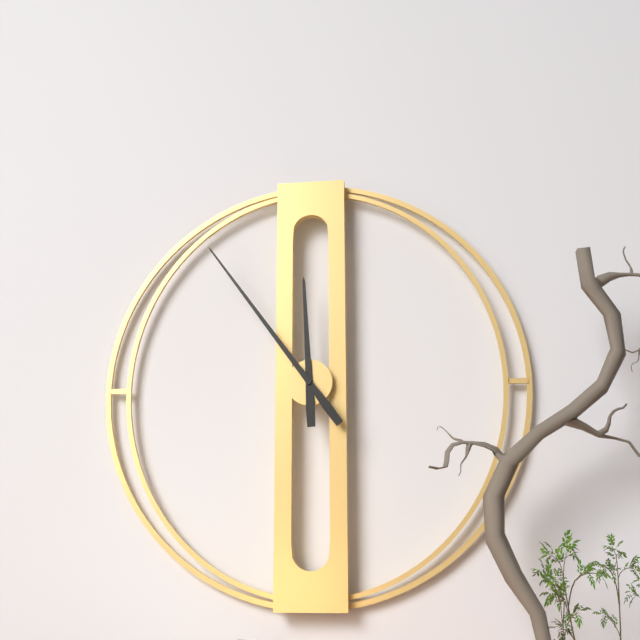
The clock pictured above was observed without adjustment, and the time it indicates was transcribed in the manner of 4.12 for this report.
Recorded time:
11.54
